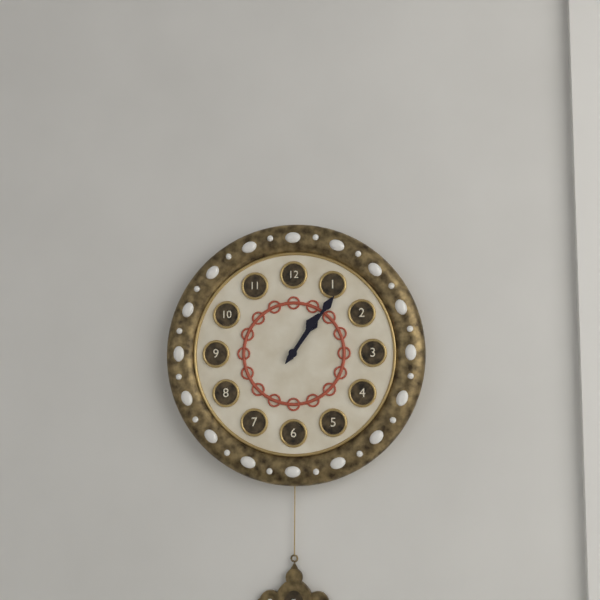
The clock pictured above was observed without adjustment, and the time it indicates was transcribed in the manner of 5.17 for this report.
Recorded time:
1.06
